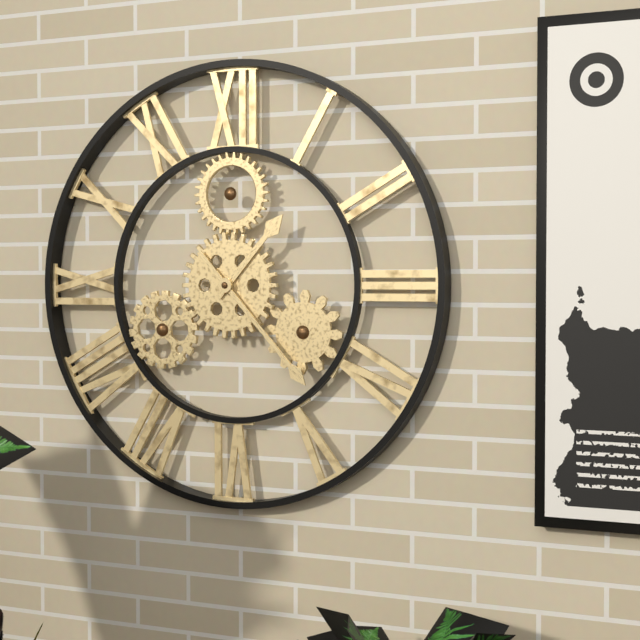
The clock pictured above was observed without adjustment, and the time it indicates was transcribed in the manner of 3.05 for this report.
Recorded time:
1.23
